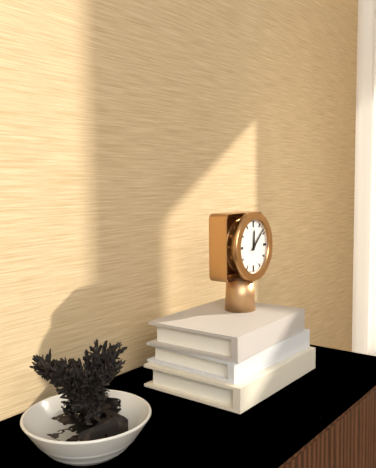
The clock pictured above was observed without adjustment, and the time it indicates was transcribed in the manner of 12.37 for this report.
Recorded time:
12.08
